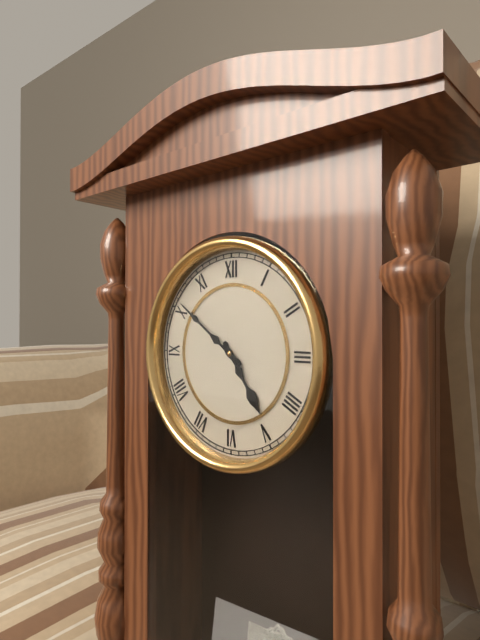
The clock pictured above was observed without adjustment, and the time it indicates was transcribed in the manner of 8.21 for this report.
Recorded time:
4.51
